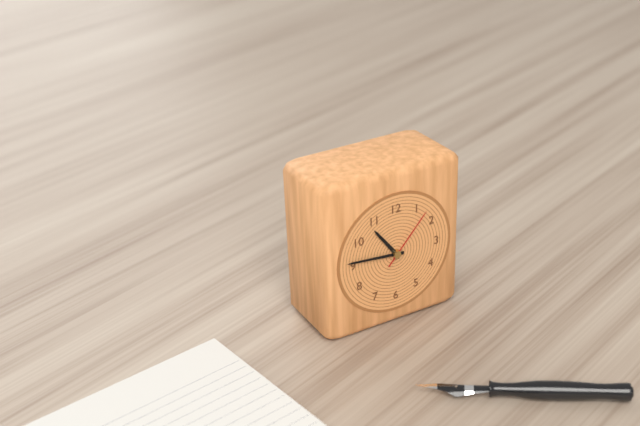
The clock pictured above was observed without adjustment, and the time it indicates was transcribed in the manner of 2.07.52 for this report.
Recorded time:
10.46.07
